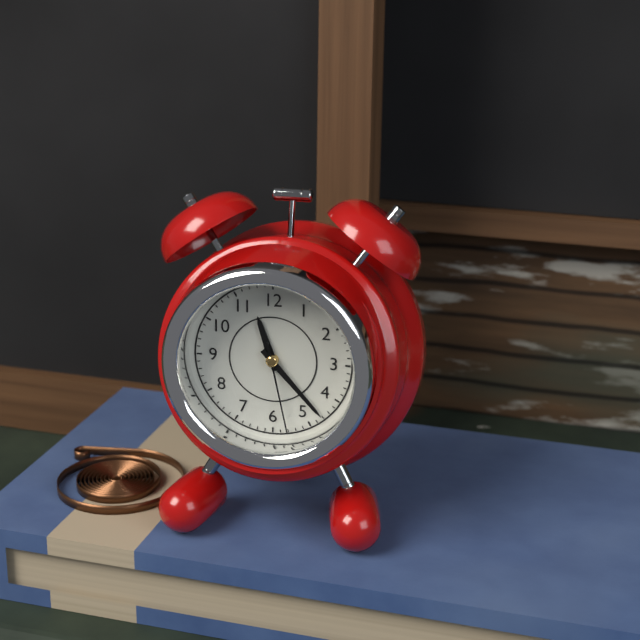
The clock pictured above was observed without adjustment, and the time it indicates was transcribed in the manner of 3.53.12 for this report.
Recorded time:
11.23.28
